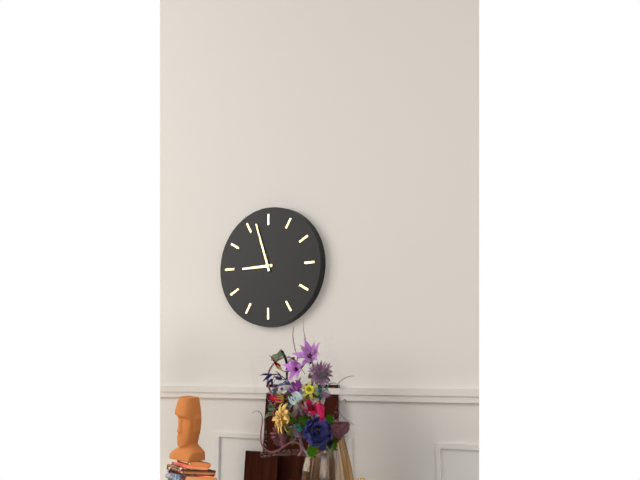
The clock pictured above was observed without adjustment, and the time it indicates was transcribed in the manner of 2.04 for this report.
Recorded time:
8.57
